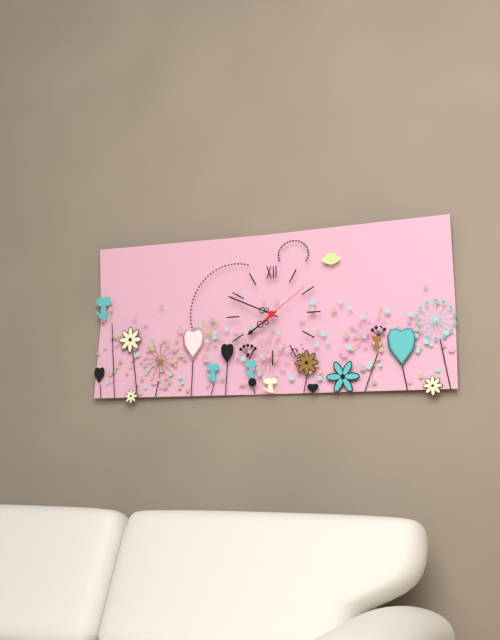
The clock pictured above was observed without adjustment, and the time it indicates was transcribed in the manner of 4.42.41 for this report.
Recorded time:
7.49.09
